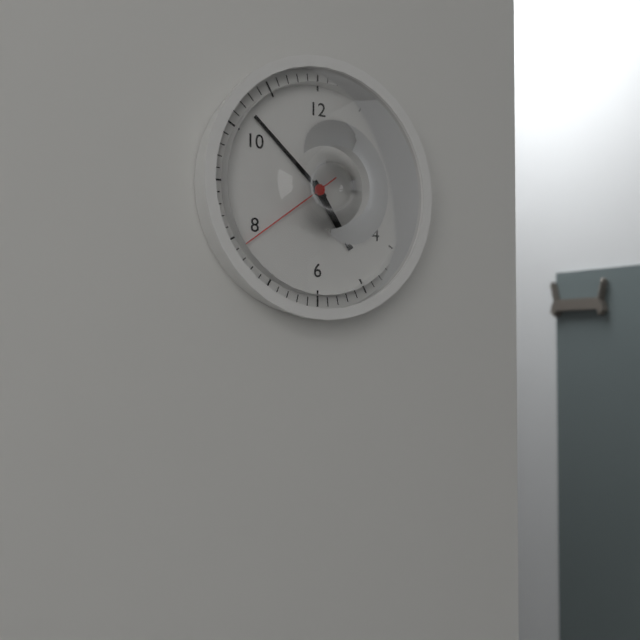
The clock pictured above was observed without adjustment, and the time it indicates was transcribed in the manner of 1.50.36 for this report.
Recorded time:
4.52.39
